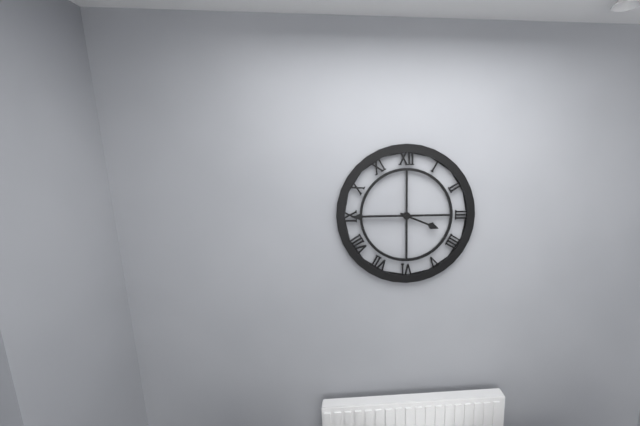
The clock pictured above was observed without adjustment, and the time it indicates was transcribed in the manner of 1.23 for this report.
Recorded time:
3.45
